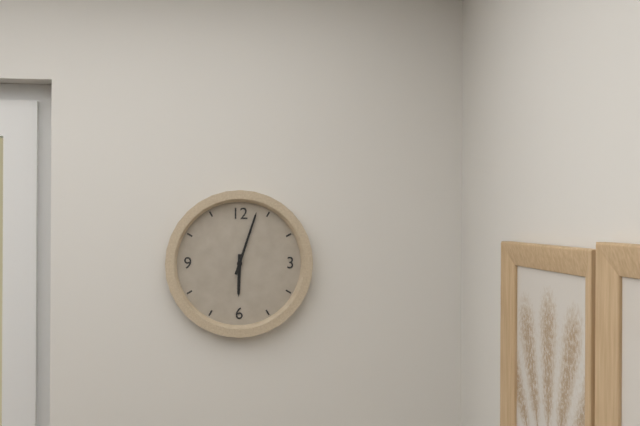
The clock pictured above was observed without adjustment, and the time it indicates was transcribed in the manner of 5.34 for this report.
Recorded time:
6.03
